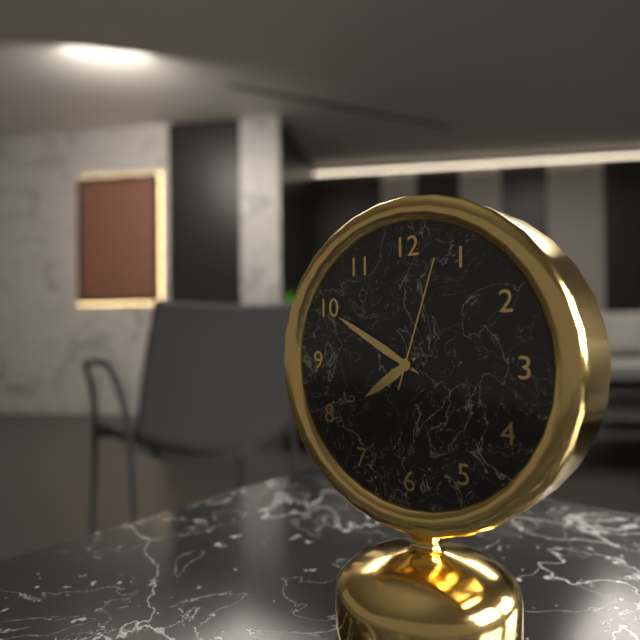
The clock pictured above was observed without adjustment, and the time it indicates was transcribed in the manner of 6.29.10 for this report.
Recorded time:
7.50.03
